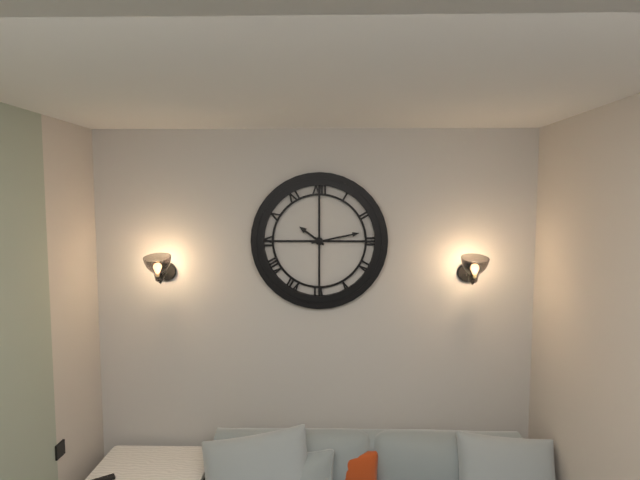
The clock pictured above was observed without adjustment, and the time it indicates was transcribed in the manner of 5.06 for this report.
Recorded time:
10.13
